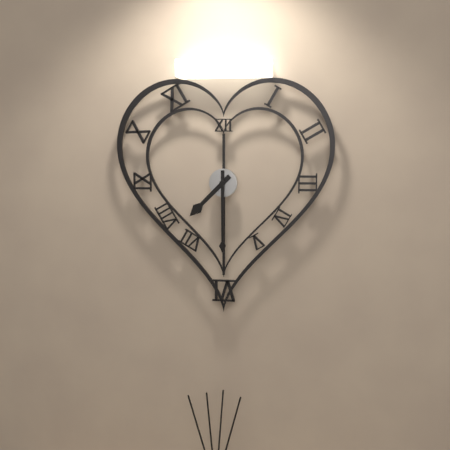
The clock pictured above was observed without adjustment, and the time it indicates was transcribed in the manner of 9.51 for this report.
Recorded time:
7.30
